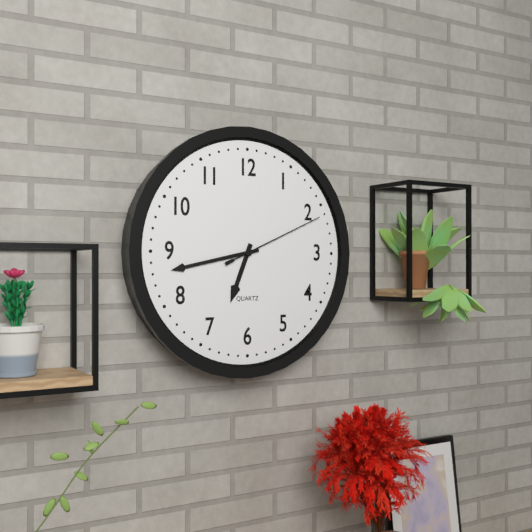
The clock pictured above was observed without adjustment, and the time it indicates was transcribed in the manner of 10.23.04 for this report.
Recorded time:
6.43.11
